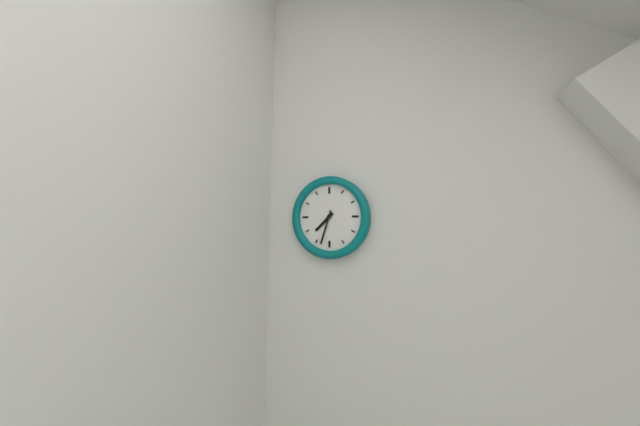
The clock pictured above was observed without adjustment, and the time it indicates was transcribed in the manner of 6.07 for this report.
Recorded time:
7.33
